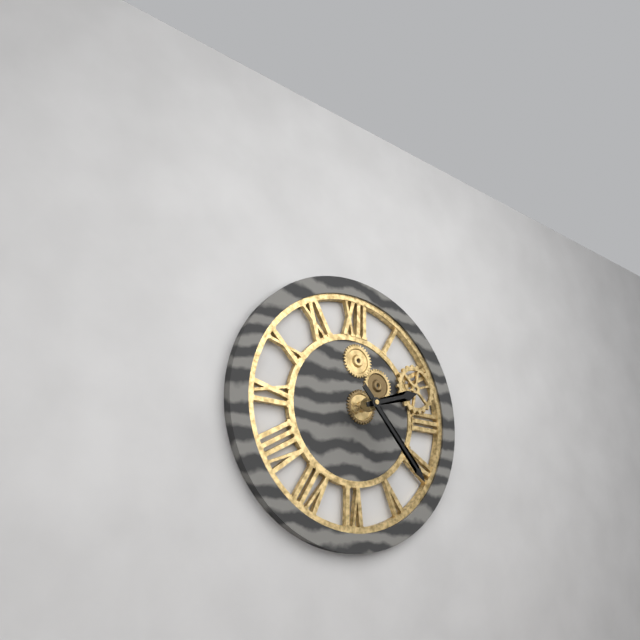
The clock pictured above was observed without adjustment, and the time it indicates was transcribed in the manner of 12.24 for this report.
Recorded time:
2.23
